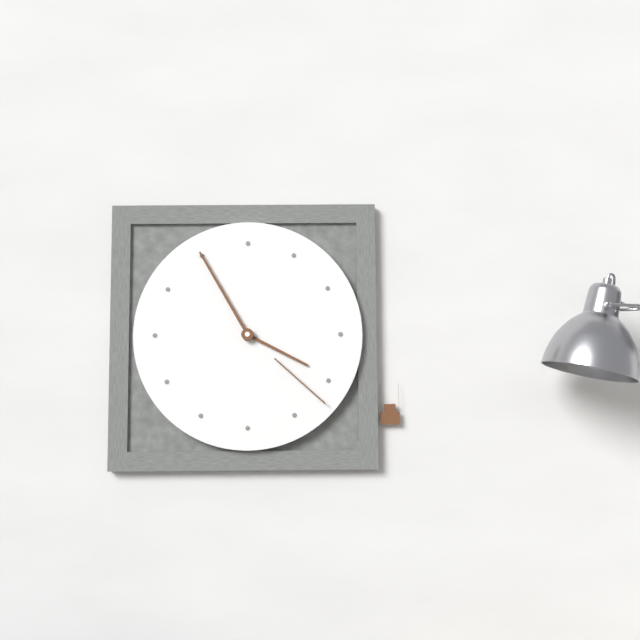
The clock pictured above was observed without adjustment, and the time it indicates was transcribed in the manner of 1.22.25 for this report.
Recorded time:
3.55.22
